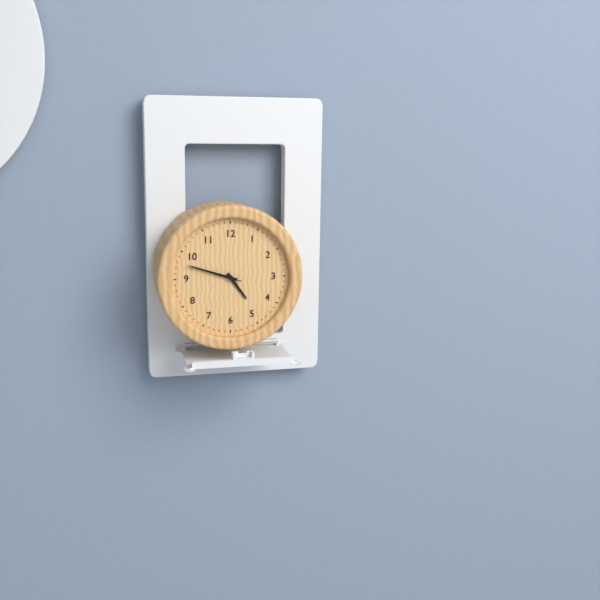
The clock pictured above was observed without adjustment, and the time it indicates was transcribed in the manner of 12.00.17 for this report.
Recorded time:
4.48.48
